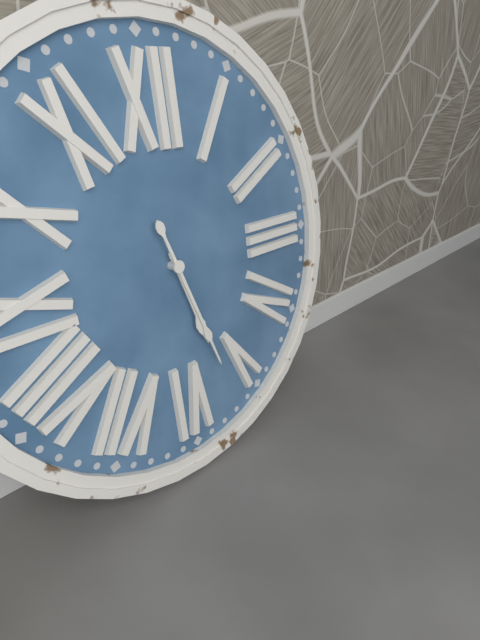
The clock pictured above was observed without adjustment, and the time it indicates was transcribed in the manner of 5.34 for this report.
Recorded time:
5.27
